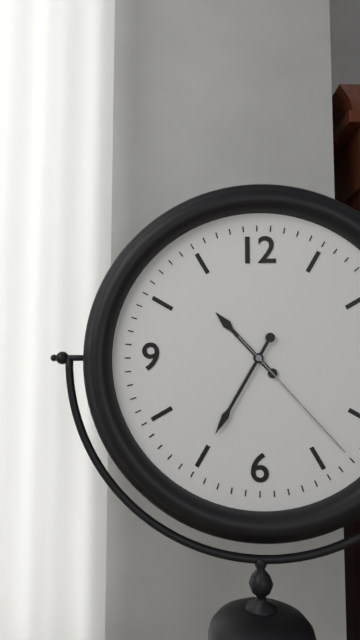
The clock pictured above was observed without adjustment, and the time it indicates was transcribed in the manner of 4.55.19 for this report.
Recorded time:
10.35.23
